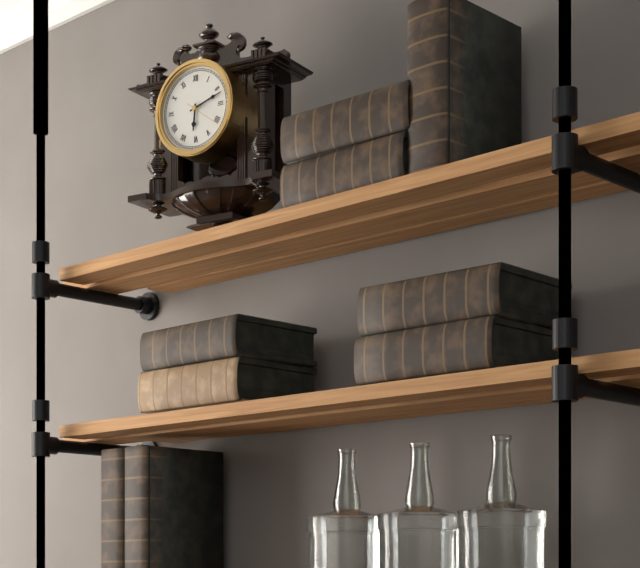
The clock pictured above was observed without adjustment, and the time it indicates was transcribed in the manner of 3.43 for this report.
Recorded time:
6.12
